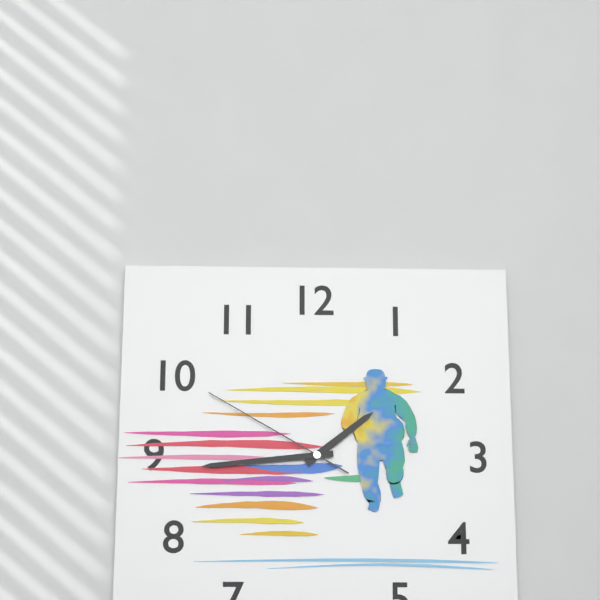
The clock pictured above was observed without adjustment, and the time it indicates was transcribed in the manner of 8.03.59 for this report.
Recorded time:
1.44.50
